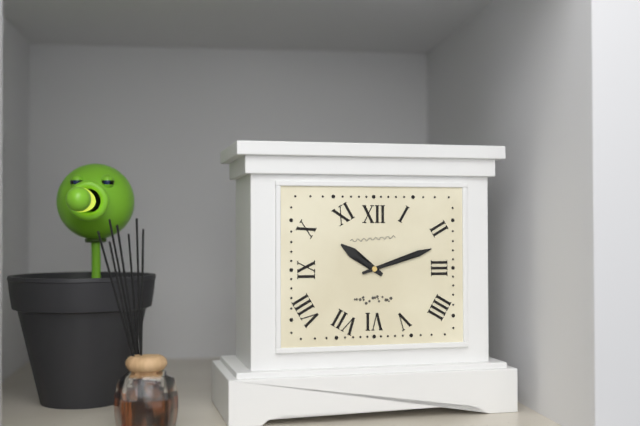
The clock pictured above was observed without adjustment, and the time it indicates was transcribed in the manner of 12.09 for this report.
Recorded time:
10.12
